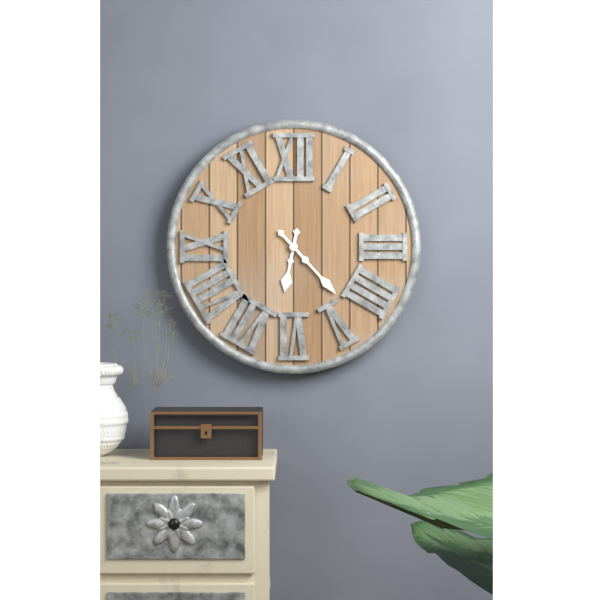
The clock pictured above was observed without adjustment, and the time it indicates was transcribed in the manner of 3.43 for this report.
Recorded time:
6.23
